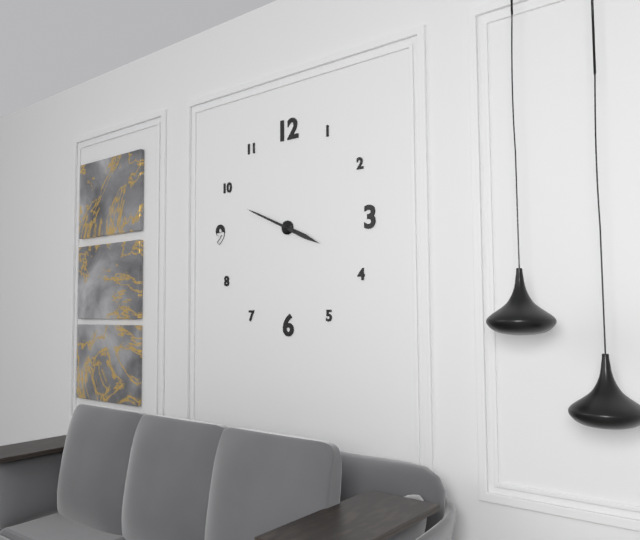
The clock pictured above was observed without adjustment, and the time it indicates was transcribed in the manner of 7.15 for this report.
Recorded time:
3.49
